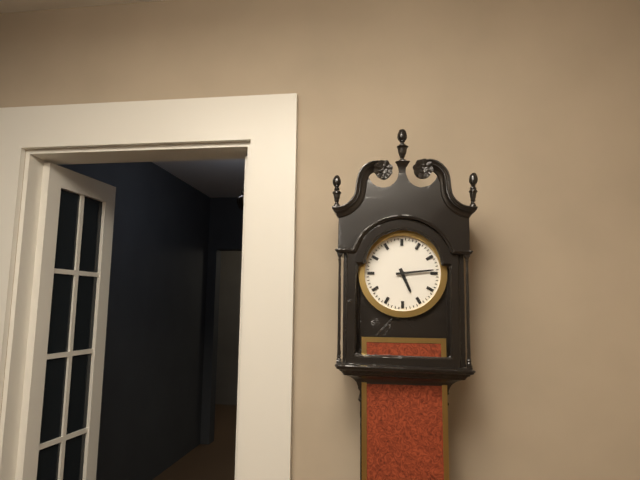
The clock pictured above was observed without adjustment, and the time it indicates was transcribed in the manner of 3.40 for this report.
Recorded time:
5.14
